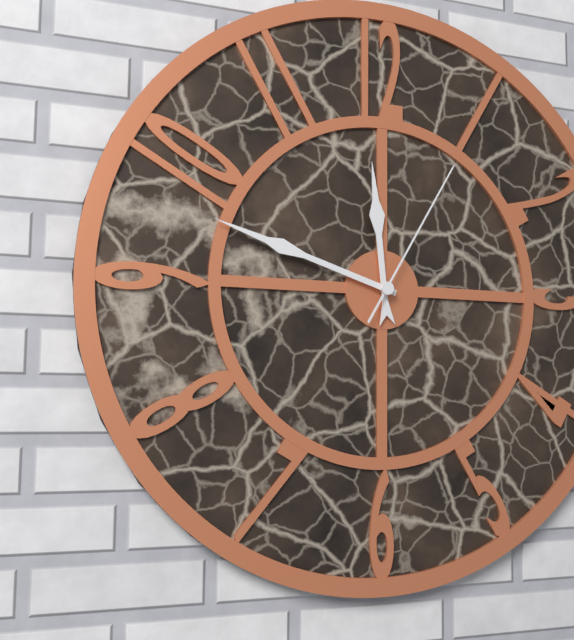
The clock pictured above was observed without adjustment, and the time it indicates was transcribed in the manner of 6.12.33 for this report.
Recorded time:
11.48.05
